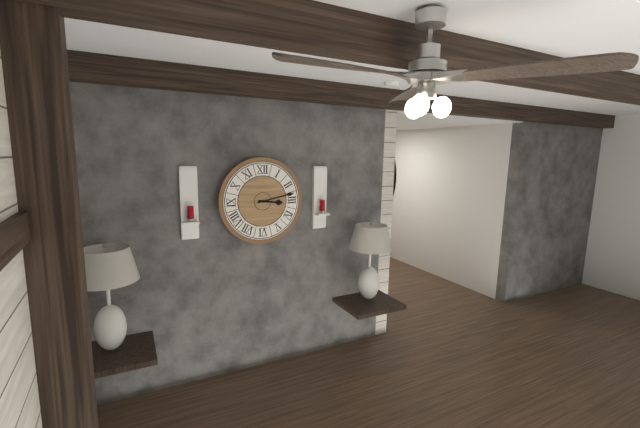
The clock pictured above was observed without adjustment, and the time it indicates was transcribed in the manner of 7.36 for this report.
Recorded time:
3.13
